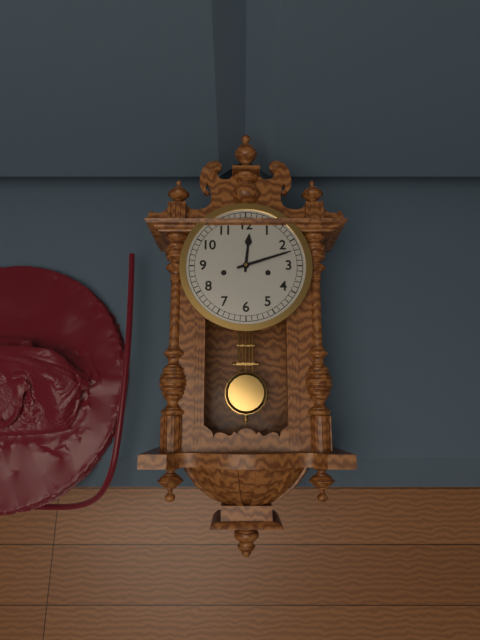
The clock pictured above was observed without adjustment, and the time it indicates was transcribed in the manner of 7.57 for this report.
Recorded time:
12.12
